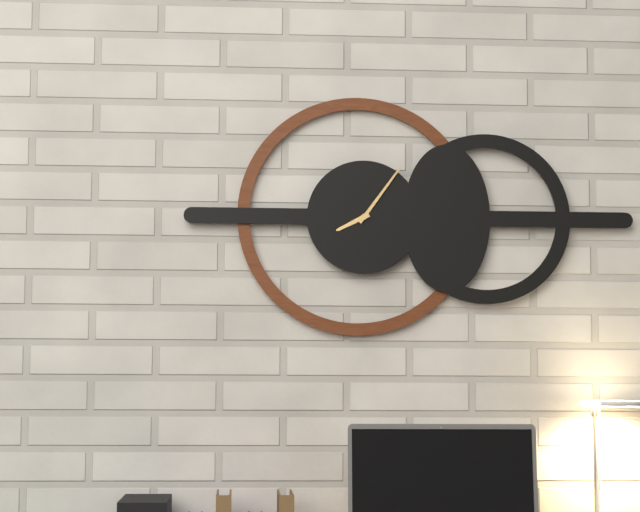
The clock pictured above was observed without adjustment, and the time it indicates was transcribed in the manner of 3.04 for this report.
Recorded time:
8.06
